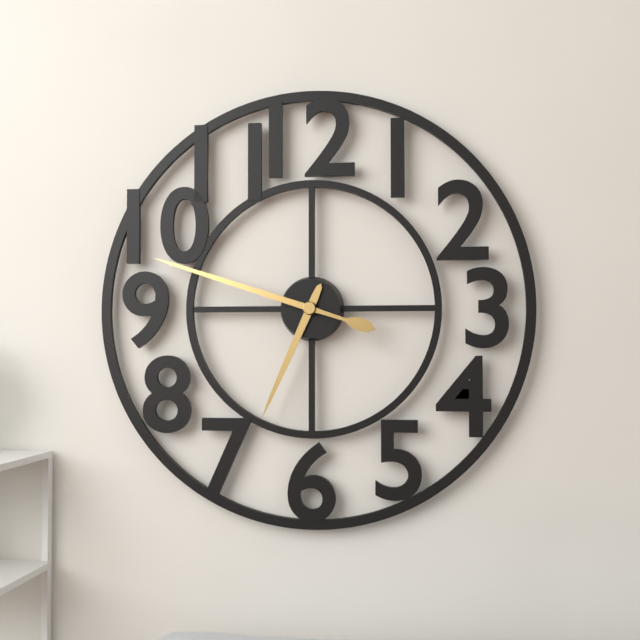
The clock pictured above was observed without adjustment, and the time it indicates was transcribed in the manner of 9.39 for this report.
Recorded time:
6.48
